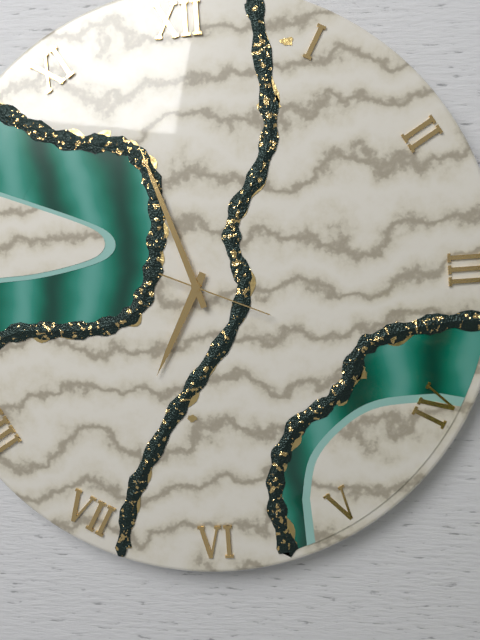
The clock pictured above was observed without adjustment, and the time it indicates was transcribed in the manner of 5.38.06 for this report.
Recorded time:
6.57.19
